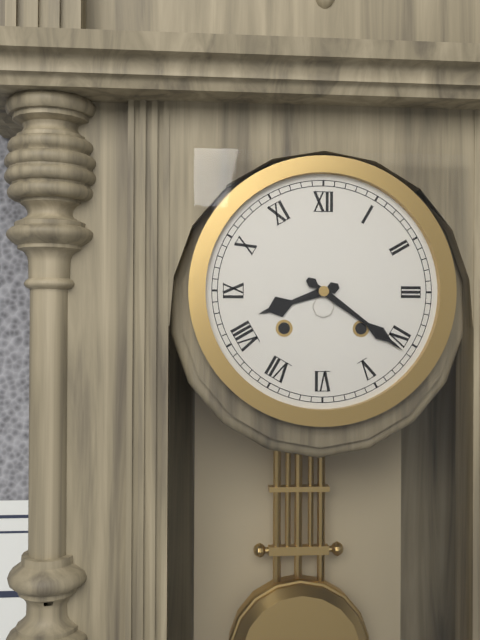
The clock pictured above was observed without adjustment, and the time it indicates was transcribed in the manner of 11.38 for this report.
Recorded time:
8.21
